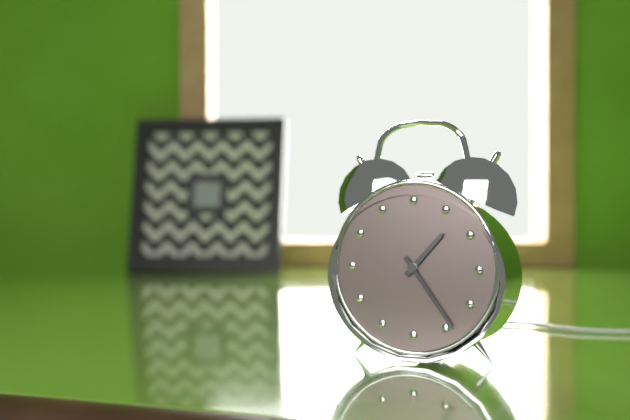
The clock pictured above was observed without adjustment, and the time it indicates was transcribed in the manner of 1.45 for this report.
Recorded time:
1.24
